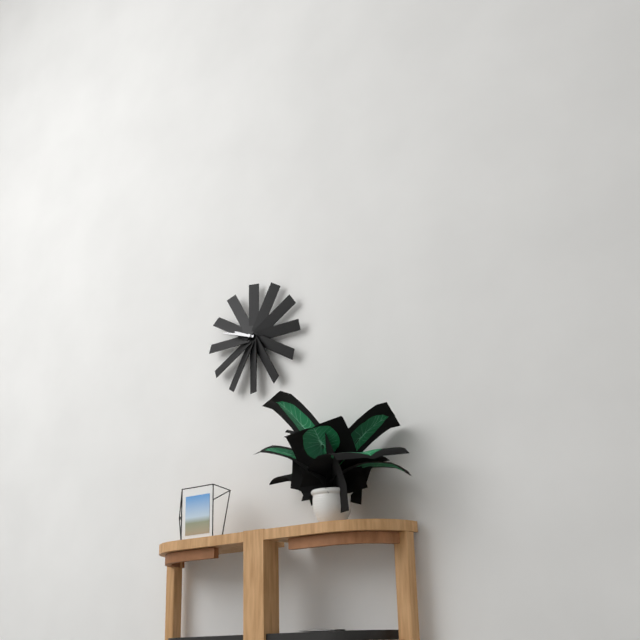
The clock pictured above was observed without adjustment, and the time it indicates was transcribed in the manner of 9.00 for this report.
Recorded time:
9.48
